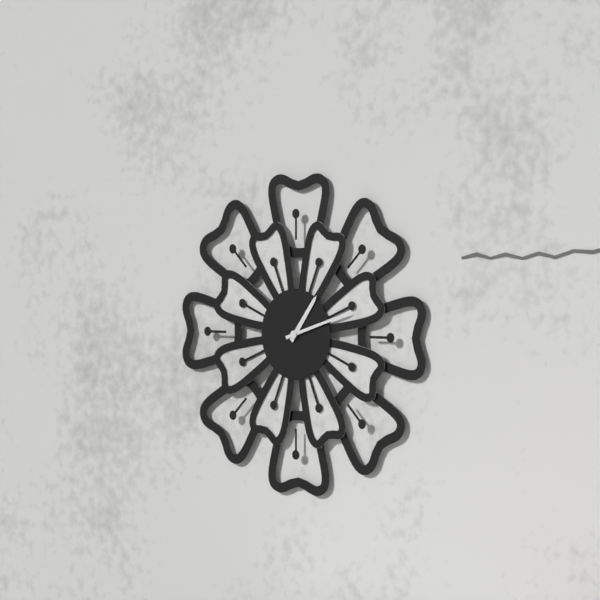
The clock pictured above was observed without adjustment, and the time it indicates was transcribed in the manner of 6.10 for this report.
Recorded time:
1.12
